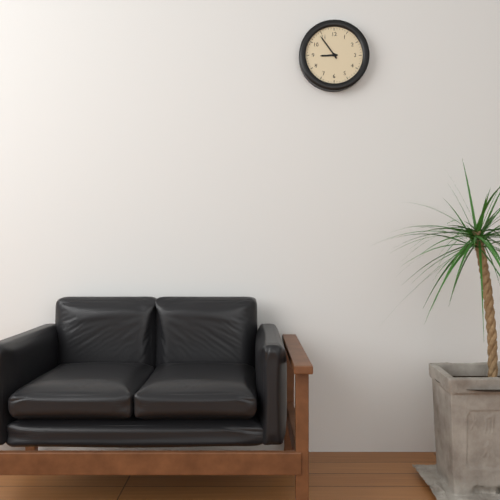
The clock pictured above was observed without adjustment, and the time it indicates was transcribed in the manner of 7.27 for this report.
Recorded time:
8.54
